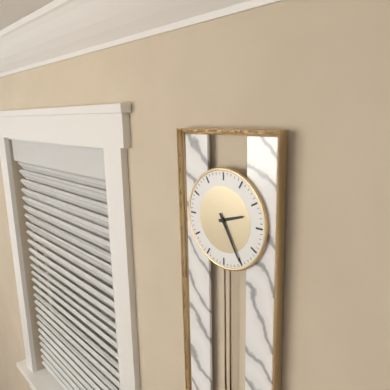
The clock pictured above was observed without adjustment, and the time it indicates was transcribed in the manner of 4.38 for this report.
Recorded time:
2.25
